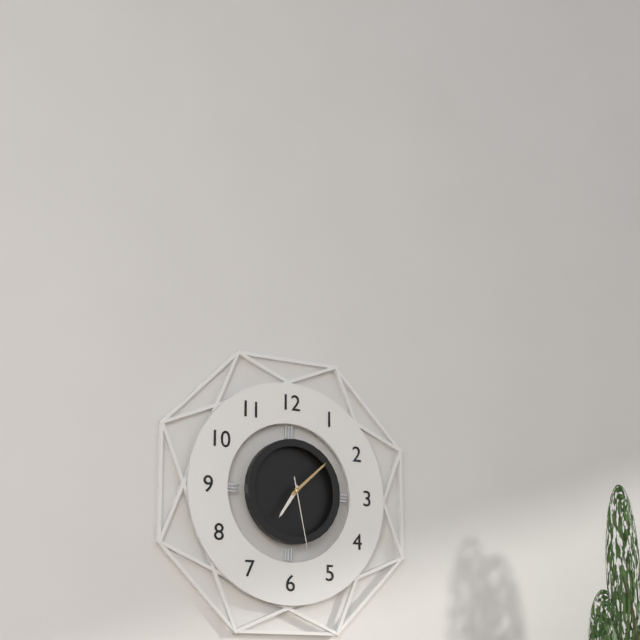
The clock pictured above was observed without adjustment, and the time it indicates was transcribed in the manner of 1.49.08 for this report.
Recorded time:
7.08.28
